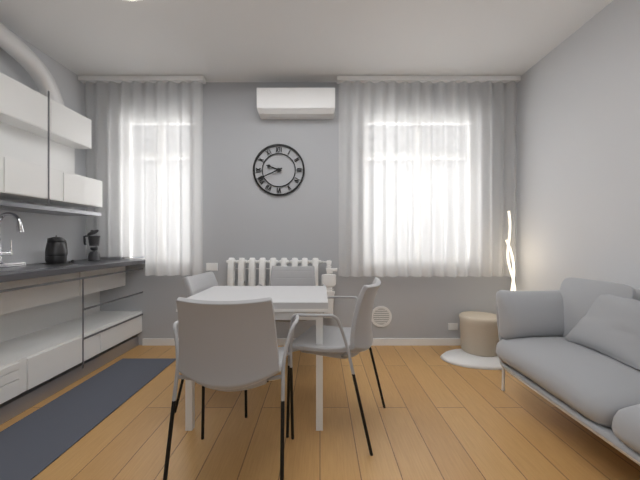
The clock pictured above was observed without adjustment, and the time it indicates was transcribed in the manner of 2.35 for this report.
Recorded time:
9.41
